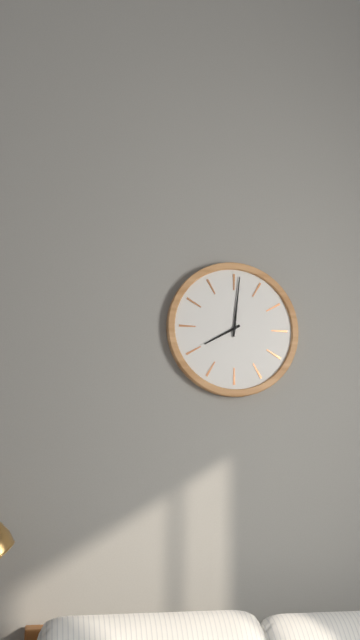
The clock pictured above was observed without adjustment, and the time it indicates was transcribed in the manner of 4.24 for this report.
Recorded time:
8.01
